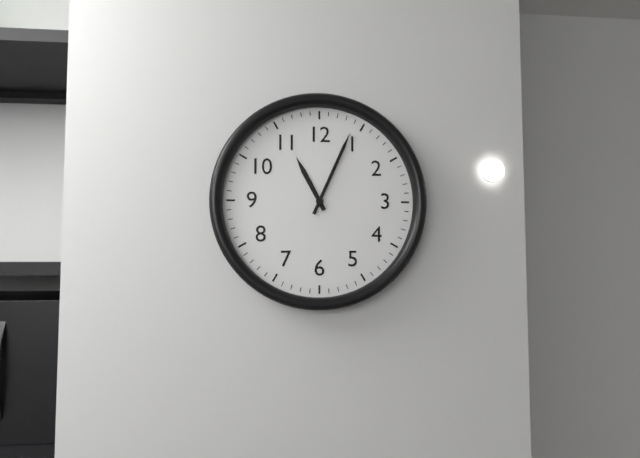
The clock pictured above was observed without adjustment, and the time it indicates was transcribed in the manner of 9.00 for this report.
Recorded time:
11.04
